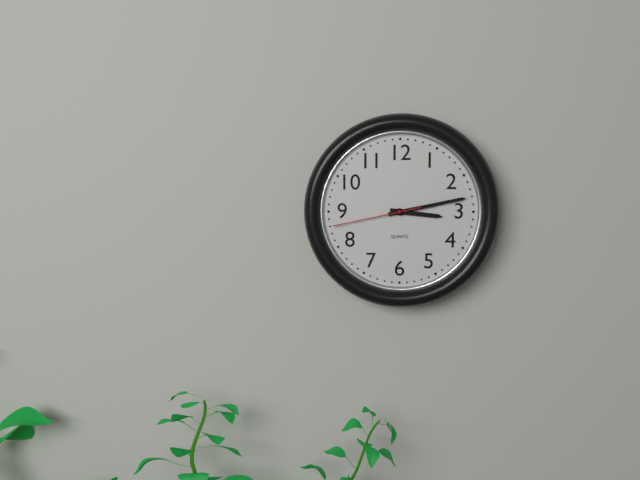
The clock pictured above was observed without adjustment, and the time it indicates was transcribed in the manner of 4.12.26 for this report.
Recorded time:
3.13.43
